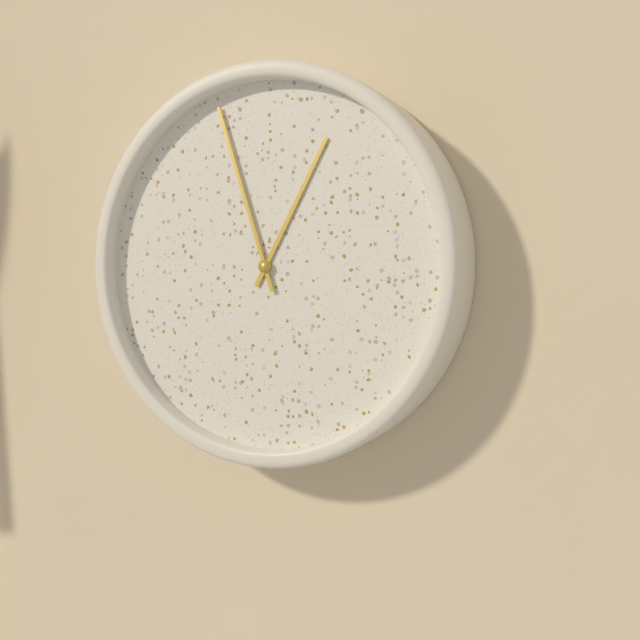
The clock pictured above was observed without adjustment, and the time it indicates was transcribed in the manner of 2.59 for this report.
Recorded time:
12.57
